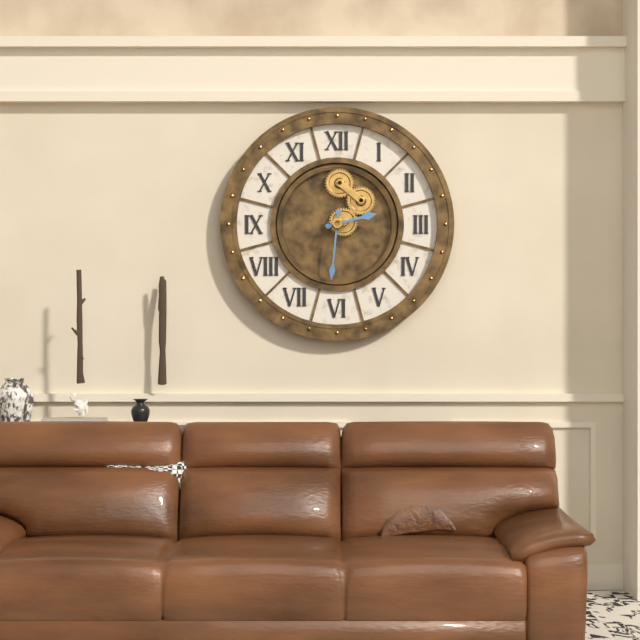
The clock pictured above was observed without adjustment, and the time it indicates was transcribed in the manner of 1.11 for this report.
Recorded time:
2.31
